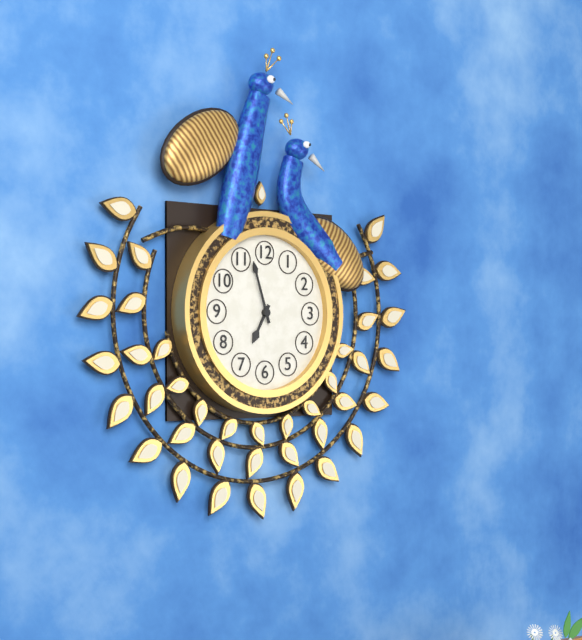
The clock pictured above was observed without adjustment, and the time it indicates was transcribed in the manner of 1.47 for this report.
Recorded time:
6.57
